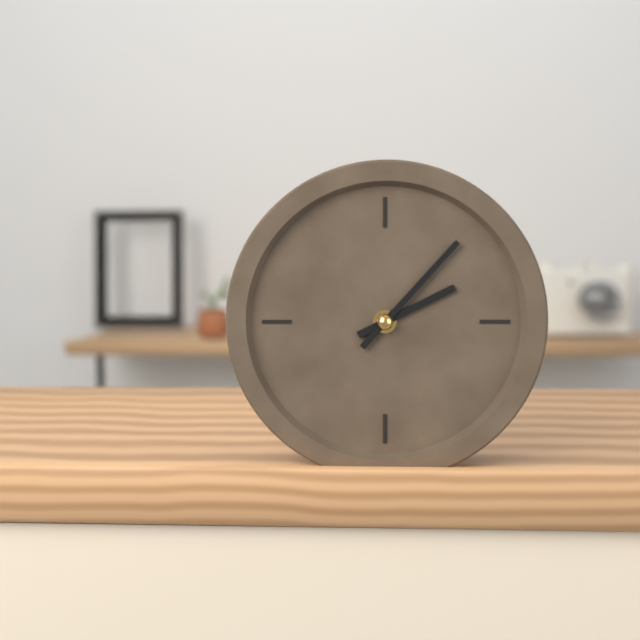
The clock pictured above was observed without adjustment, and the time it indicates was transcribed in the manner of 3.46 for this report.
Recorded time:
2.07
